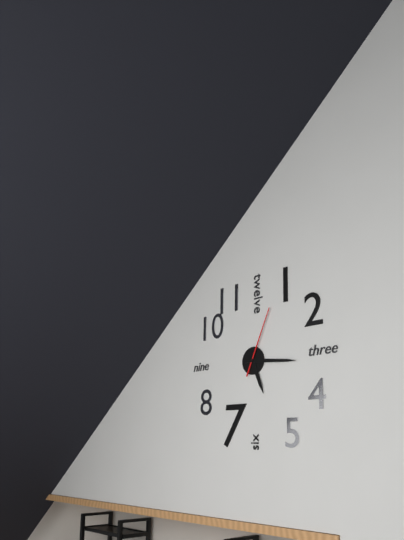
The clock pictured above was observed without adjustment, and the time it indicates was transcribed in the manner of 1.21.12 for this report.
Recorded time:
5.16.04
